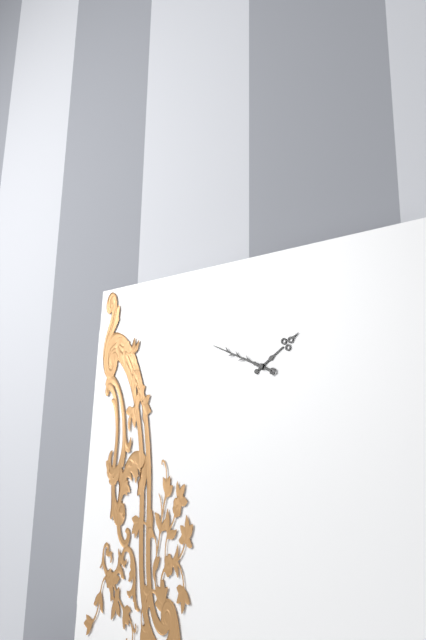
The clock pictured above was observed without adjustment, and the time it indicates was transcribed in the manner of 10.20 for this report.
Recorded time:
1.49
